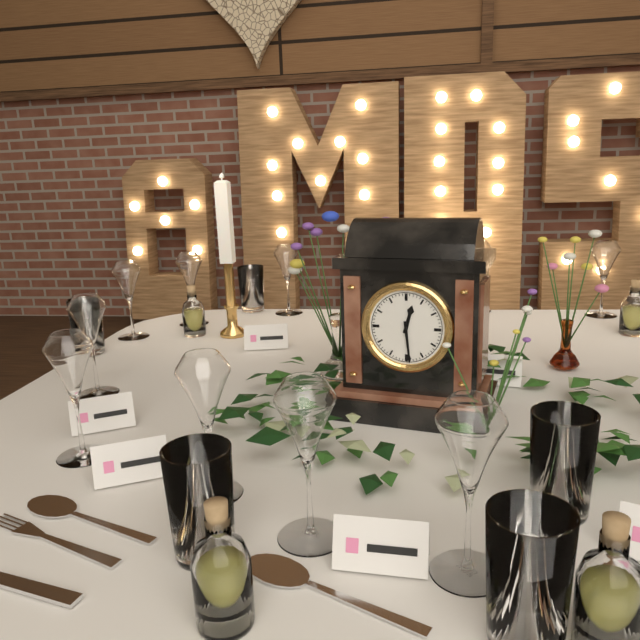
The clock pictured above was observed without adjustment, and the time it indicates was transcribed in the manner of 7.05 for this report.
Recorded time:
12.29
